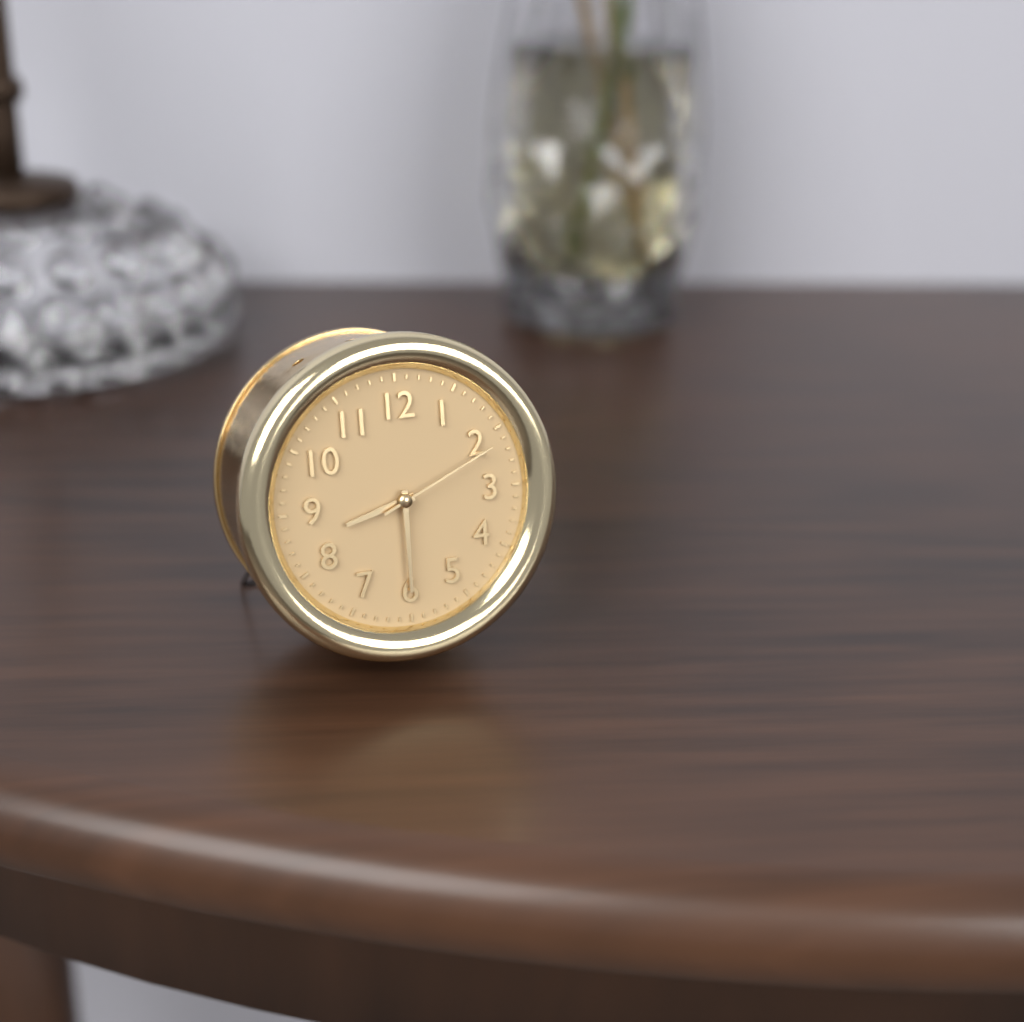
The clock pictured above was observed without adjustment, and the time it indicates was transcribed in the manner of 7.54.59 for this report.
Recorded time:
8.30.11
